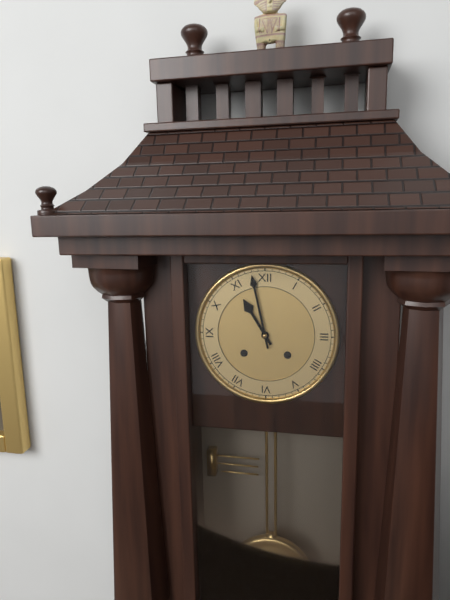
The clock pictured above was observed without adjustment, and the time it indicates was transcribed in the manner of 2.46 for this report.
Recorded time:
10.58
